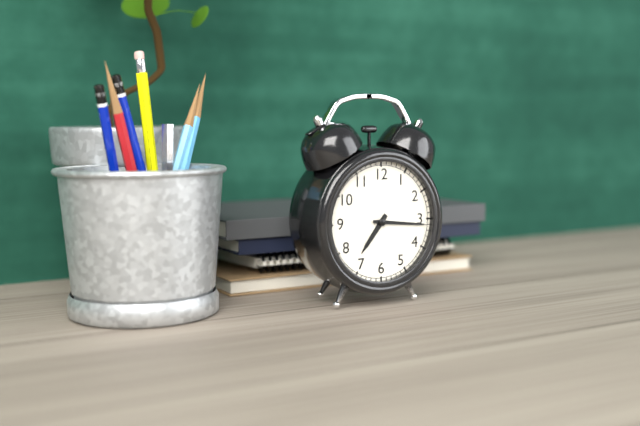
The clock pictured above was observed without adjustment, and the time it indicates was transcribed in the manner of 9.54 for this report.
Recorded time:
7.16
